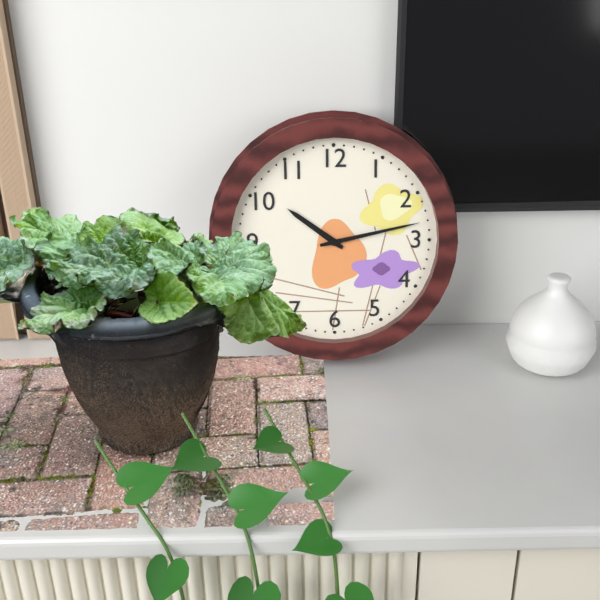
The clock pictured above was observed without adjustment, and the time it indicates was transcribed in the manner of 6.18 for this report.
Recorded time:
10.13
